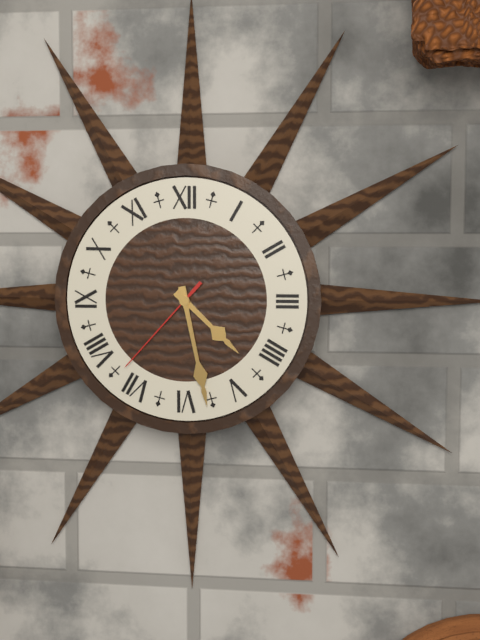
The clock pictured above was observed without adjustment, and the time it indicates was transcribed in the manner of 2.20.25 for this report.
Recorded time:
4.28.37
